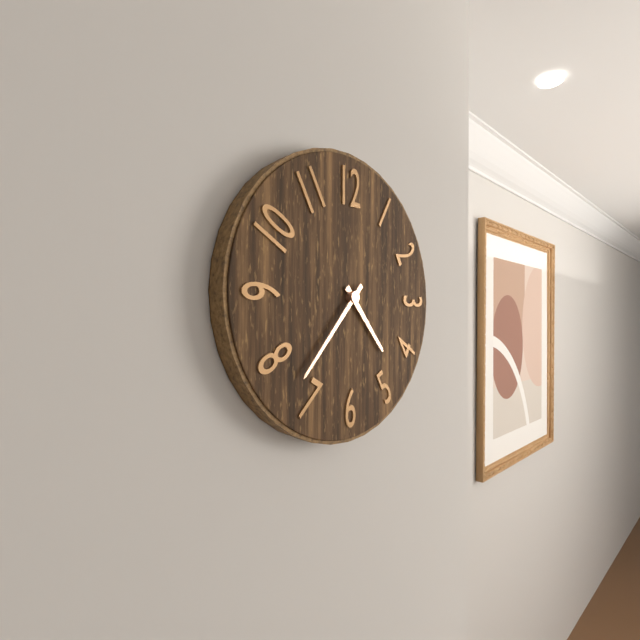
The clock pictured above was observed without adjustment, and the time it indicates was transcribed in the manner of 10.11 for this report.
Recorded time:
4.37
